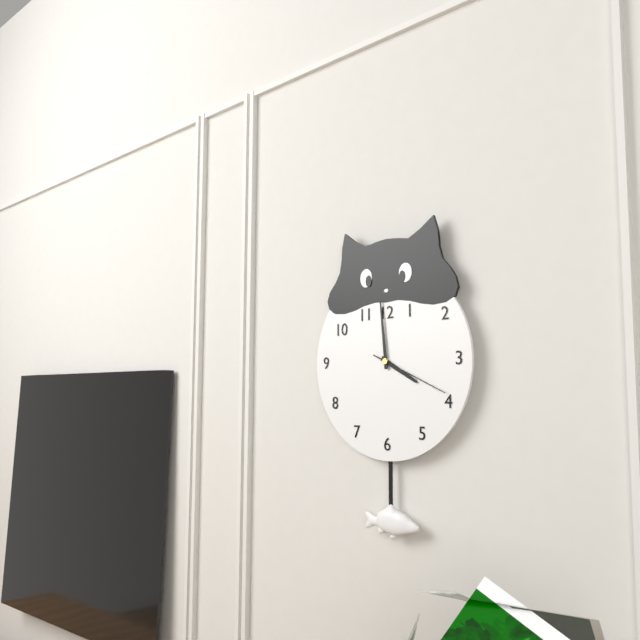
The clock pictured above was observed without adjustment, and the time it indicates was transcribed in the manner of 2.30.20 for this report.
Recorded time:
3.59.19
